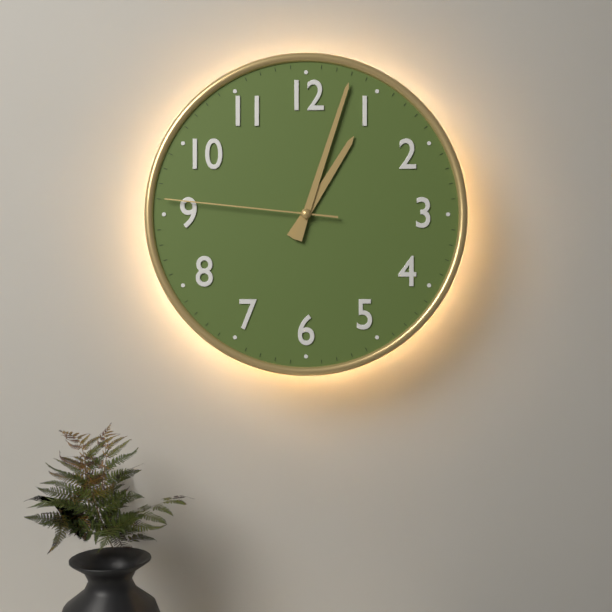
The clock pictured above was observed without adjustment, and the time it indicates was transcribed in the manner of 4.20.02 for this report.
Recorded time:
1.03.46
